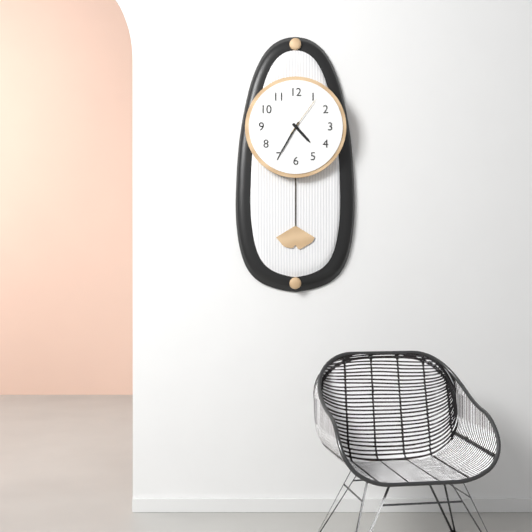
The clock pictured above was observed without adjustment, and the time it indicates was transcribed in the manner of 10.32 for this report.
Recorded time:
4.35
